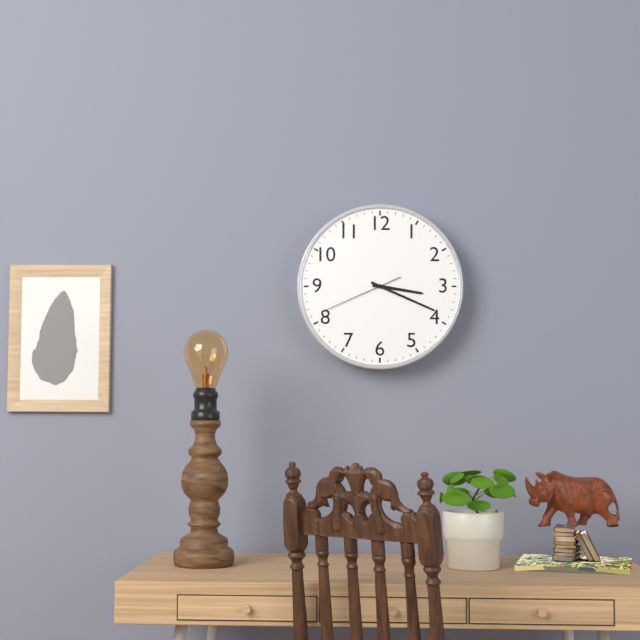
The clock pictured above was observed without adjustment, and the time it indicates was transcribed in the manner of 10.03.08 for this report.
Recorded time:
3.19.41
